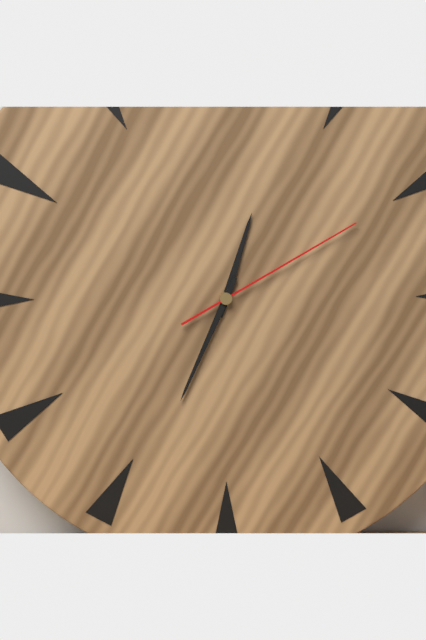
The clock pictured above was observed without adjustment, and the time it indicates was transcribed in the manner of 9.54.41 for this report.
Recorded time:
12.34.10
